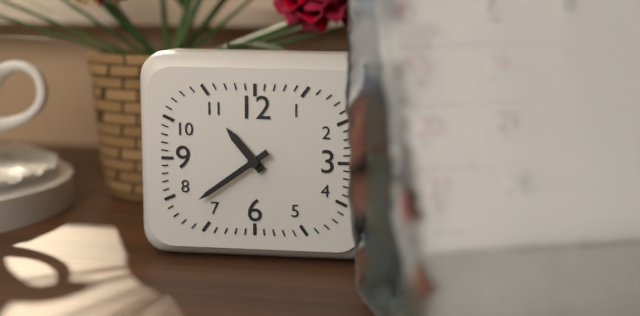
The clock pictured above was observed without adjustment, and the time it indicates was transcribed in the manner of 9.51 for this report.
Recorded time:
10.39
